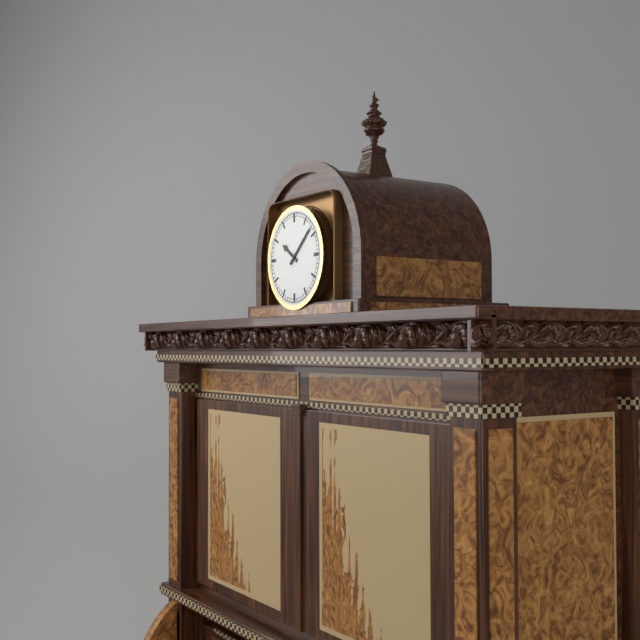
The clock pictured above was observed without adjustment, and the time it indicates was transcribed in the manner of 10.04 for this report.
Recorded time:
10.08
